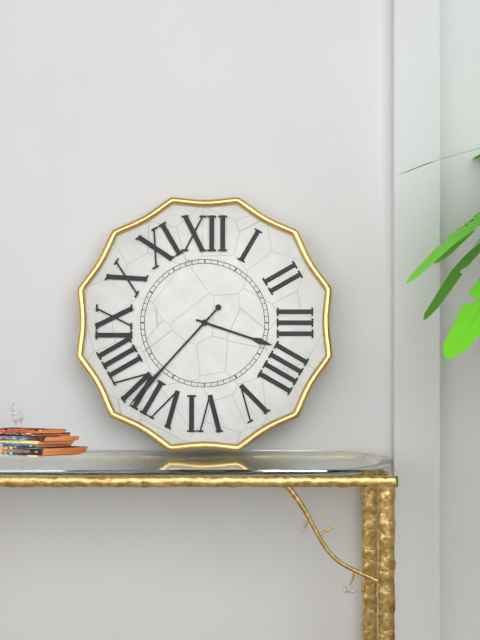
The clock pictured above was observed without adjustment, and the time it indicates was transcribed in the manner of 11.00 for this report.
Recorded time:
3.37
